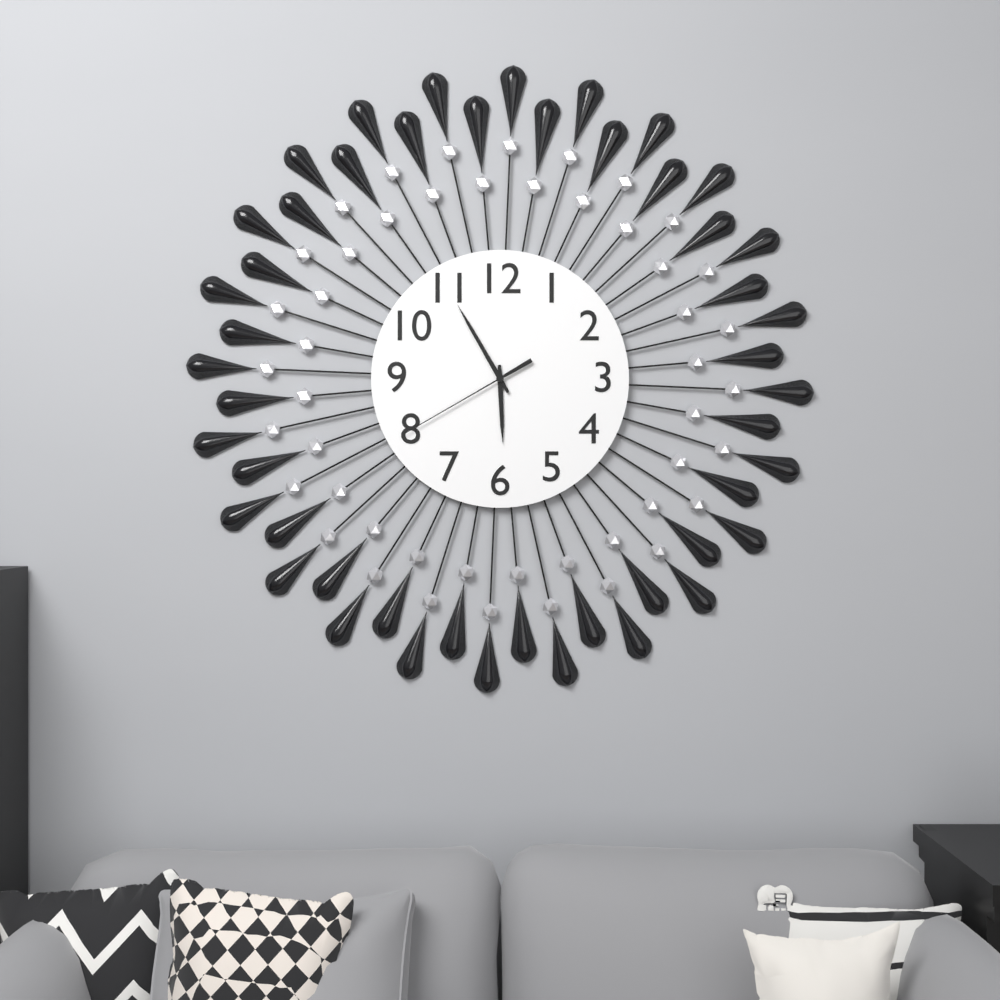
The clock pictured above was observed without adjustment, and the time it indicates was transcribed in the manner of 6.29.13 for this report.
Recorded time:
5.55.40
